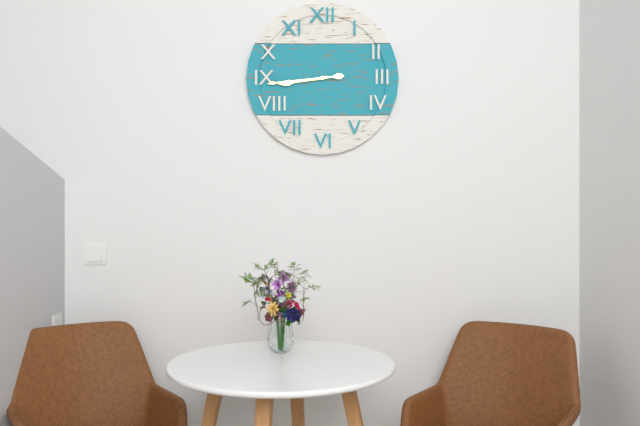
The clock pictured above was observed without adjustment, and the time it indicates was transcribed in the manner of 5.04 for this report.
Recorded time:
8.44
